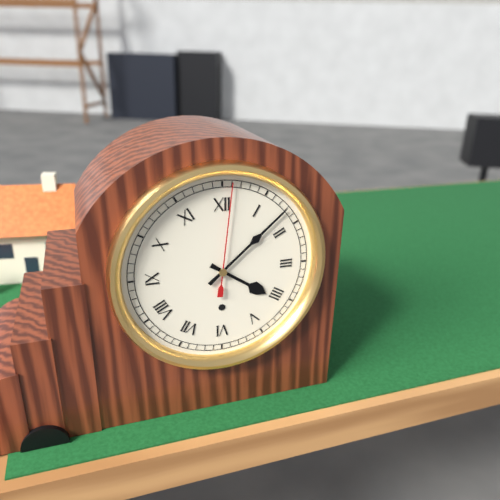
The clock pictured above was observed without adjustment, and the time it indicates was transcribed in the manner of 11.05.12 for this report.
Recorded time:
4.08.01
